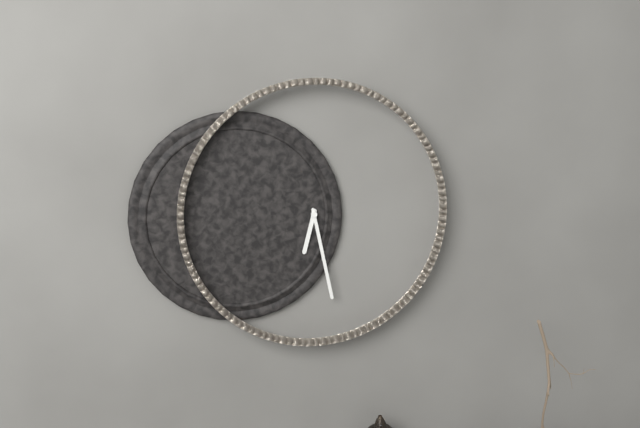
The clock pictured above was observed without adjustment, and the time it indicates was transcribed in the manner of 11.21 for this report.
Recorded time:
6.28
